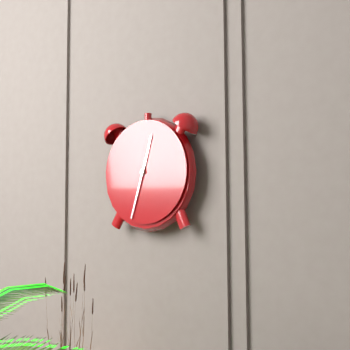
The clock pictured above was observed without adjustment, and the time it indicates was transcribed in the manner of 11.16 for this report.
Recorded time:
12.33
